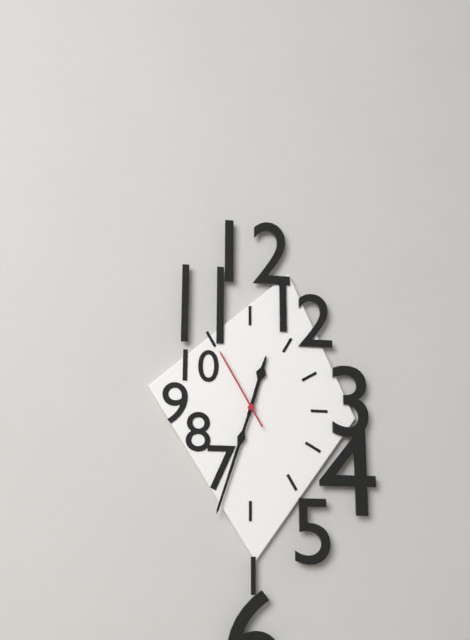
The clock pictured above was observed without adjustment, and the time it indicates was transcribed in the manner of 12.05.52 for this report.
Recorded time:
12.33.55
